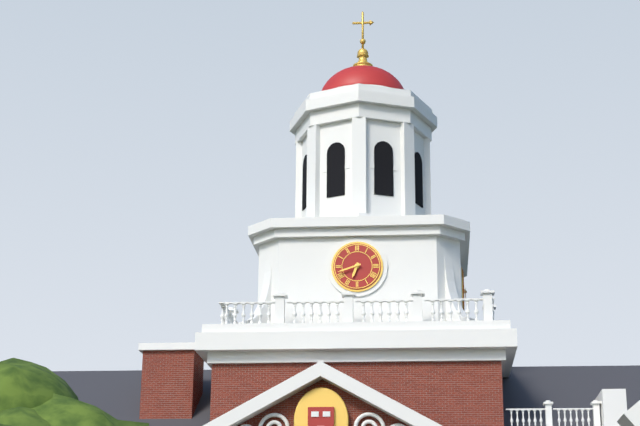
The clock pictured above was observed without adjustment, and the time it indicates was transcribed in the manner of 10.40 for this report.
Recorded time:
6.42
